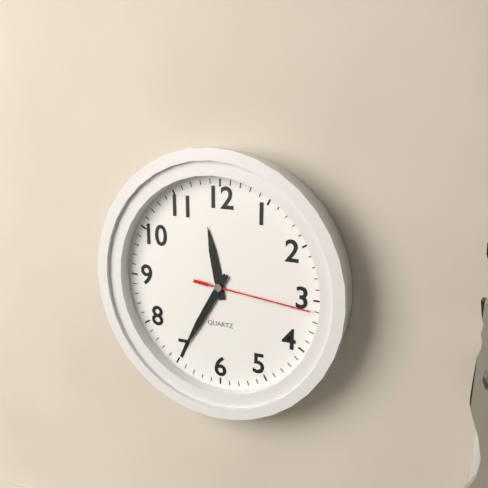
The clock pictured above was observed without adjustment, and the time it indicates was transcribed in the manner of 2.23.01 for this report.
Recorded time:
11.35.16
